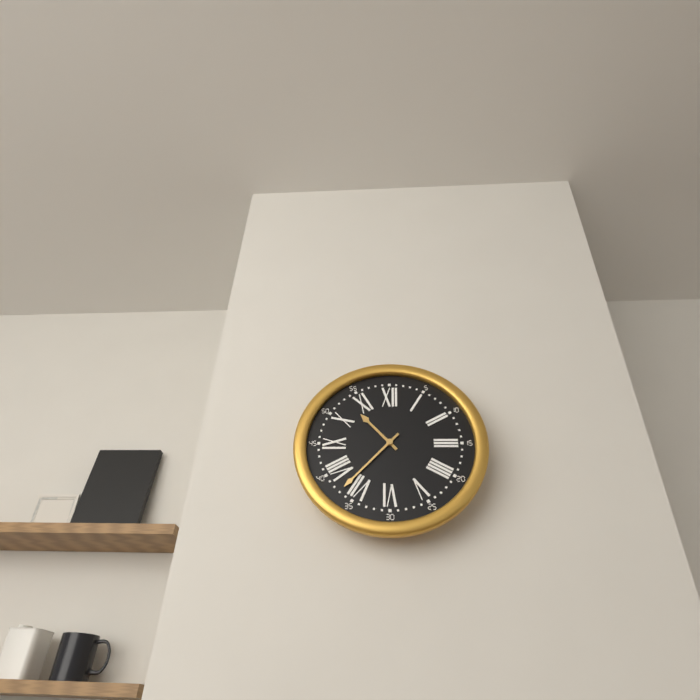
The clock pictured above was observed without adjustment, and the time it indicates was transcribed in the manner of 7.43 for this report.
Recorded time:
10.37
